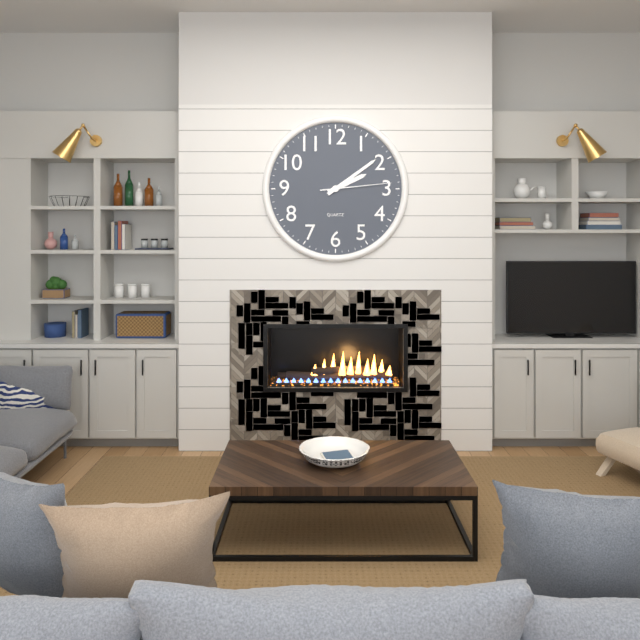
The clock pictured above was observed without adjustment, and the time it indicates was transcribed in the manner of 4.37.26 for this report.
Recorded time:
2.09.14
